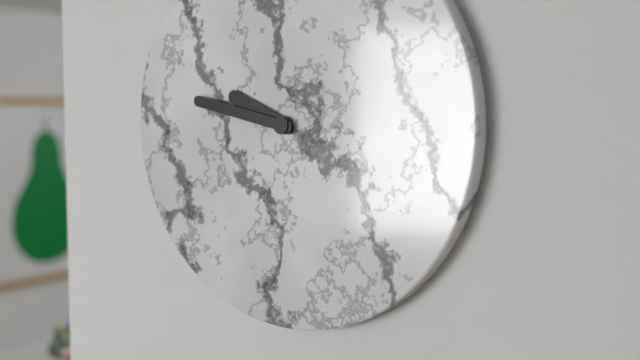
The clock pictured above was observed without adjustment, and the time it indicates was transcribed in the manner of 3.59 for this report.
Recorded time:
9.47
